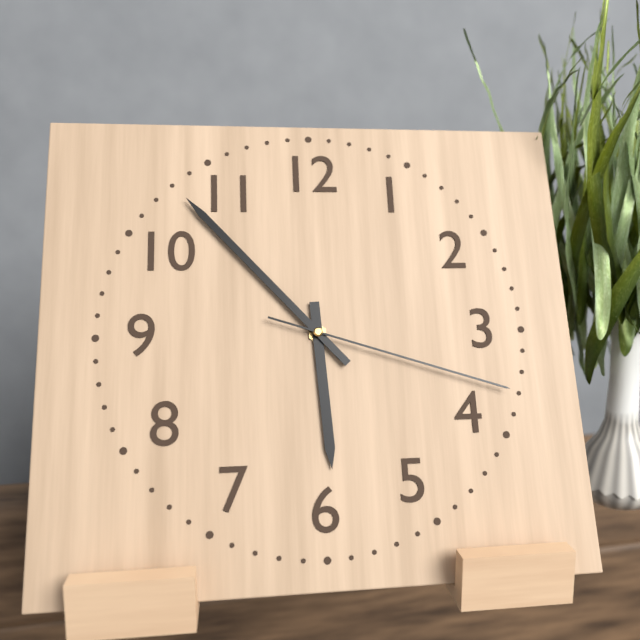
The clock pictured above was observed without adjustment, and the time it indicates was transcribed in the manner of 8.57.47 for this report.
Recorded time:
5.53.18
